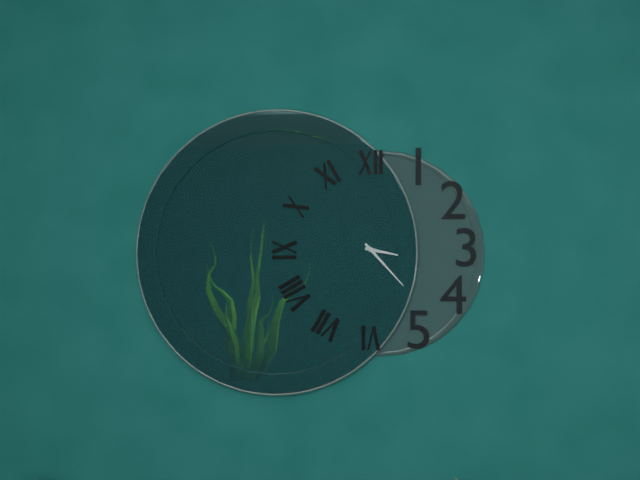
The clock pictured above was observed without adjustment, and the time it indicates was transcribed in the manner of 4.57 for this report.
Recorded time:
3.23
